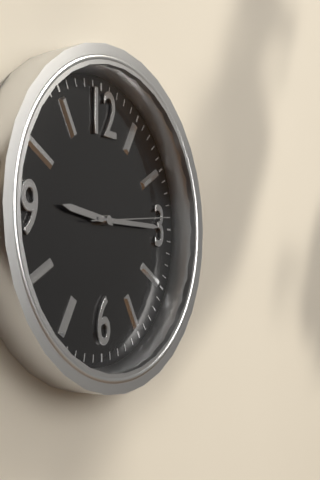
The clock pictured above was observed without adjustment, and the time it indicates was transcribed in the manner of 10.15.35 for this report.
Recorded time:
9.15.14
